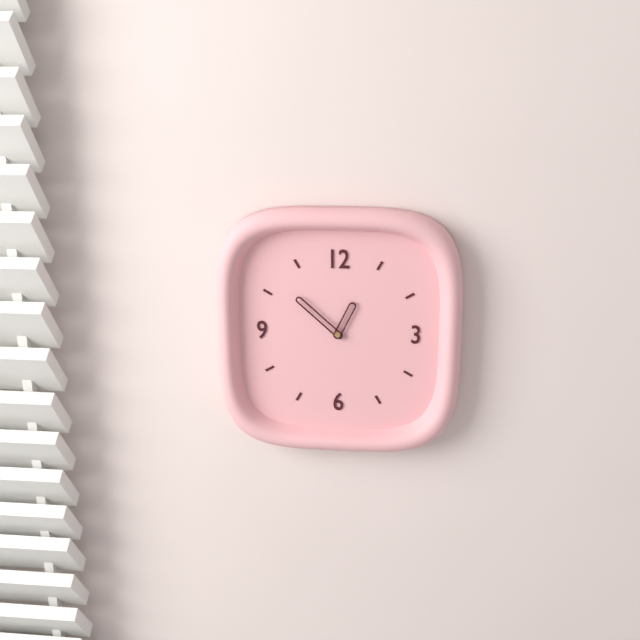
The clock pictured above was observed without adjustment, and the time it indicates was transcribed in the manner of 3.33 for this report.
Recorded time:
12.52
